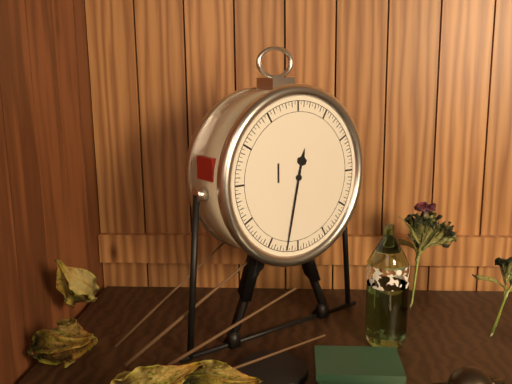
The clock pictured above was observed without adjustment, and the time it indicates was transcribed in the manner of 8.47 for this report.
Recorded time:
12.32
